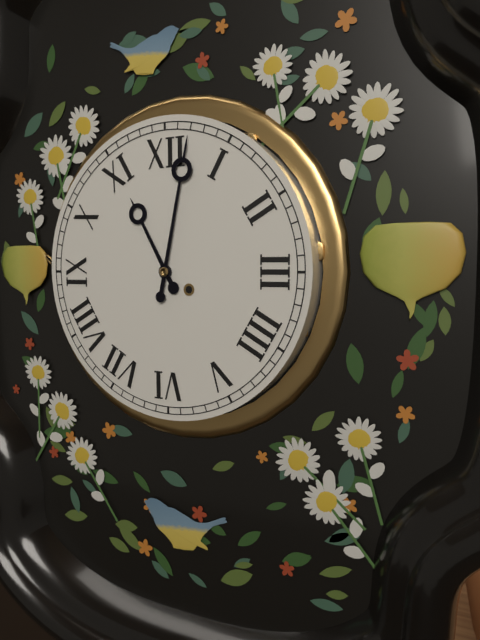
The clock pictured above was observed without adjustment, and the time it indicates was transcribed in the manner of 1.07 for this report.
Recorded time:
11.02
